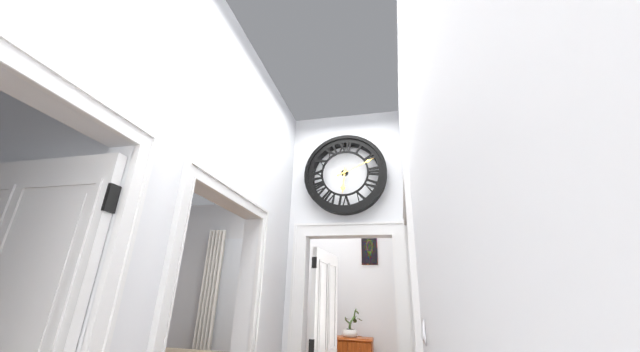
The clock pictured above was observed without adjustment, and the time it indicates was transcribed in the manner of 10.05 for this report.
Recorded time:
6.11
